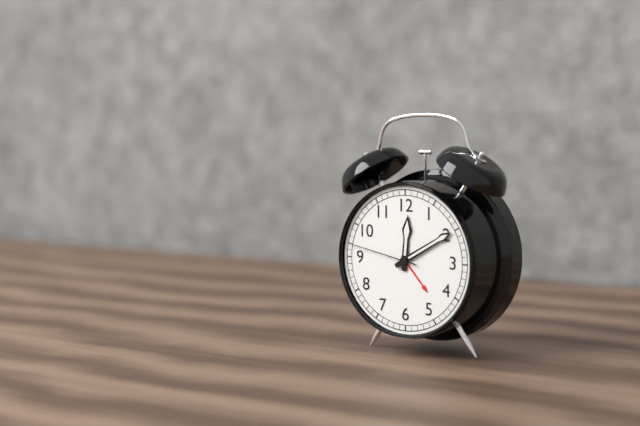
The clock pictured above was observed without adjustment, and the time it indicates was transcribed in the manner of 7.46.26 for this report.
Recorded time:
12.10.47
